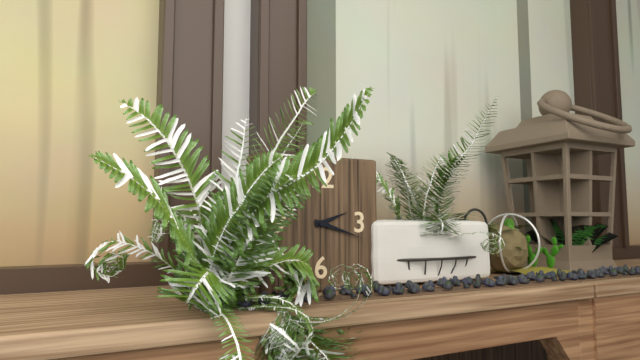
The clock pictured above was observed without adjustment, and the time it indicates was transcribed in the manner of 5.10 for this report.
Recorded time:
2.18
